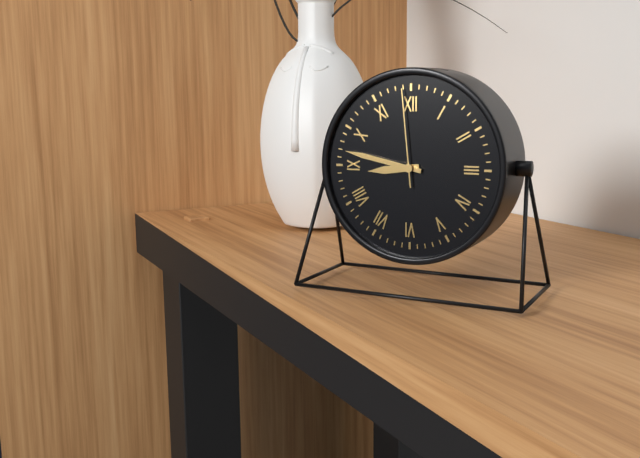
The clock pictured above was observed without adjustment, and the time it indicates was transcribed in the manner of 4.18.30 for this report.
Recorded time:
8.47.59
